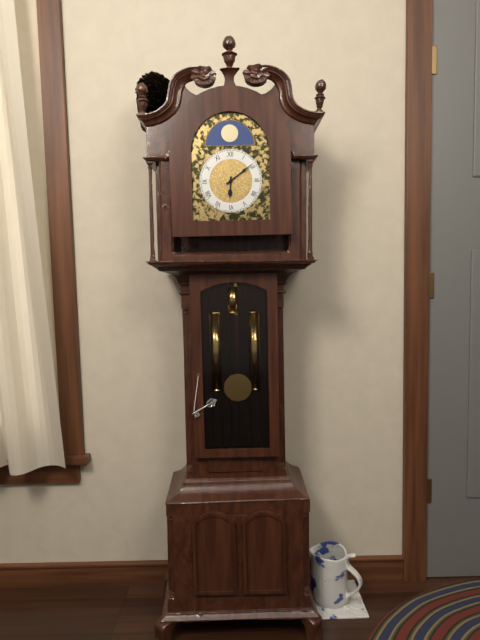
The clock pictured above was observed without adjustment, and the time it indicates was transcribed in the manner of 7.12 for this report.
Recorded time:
6.09
